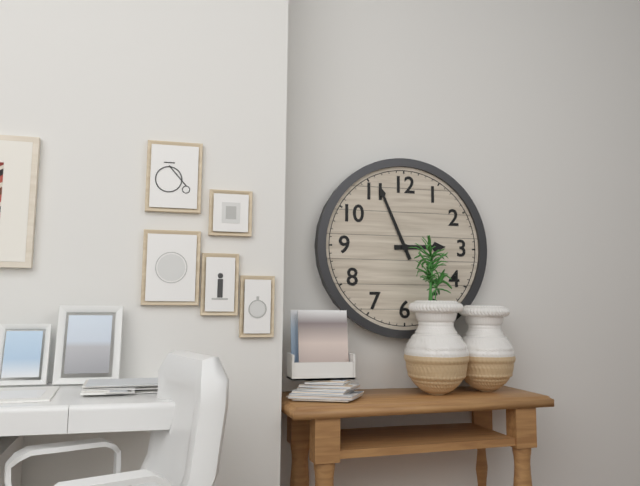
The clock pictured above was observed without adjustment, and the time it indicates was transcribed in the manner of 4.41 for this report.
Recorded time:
2.56
